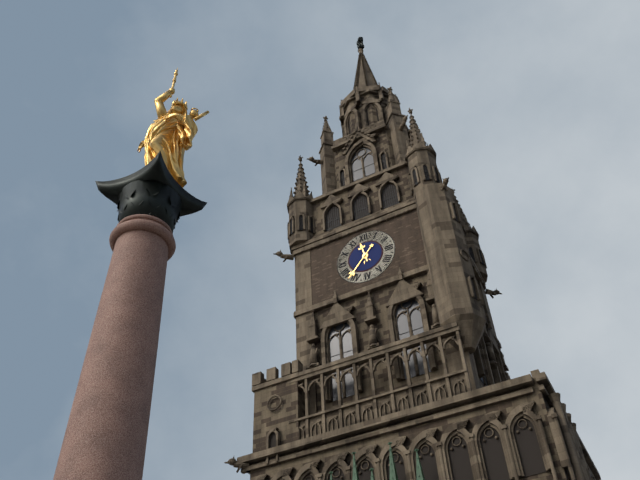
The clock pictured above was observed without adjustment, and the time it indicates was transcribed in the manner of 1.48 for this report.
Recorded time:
11.37
